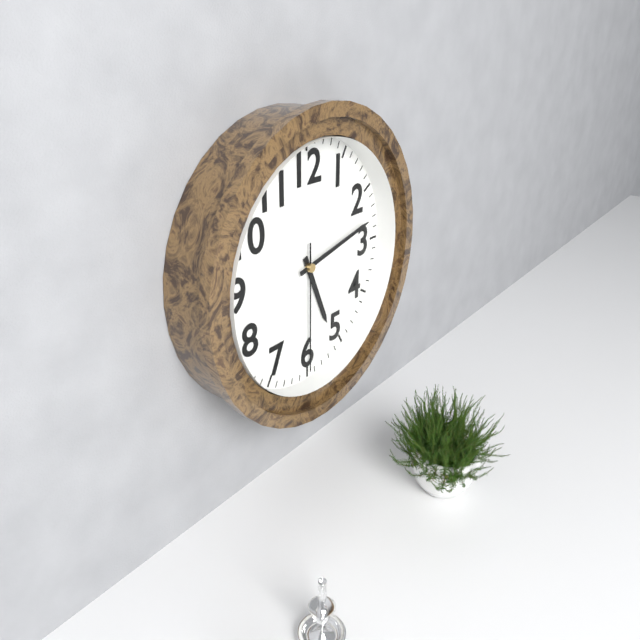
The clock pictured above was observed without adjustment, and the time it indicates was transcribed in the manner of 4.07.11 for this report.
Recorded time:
5.13.30
